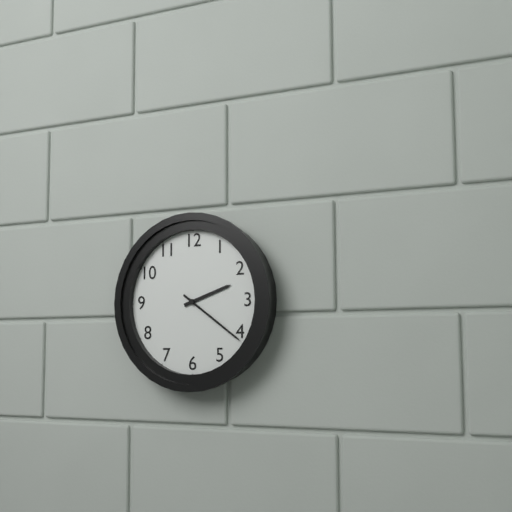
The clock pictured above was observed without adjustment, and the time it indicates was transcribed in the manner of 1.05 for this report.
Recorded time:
2.21
